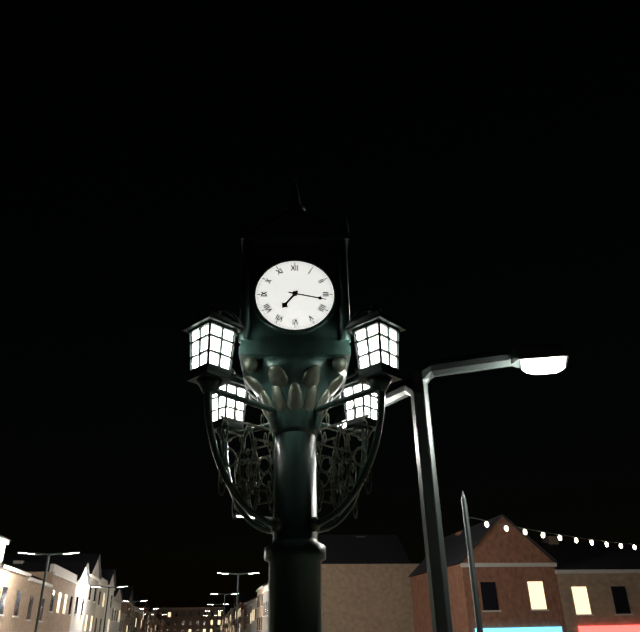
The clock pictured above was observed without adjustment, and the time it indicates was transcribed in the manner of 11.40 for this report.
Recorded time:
7.17
